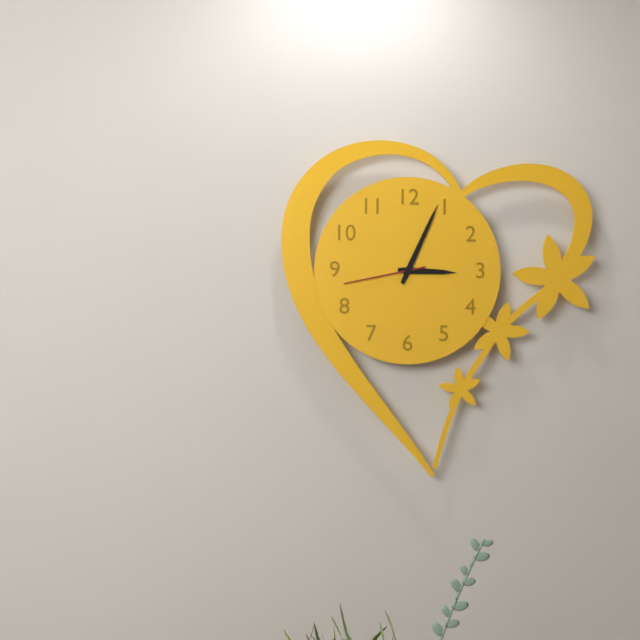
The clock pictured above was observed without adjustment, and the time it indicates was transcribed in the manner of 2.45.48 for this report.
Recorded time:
3.04.43
